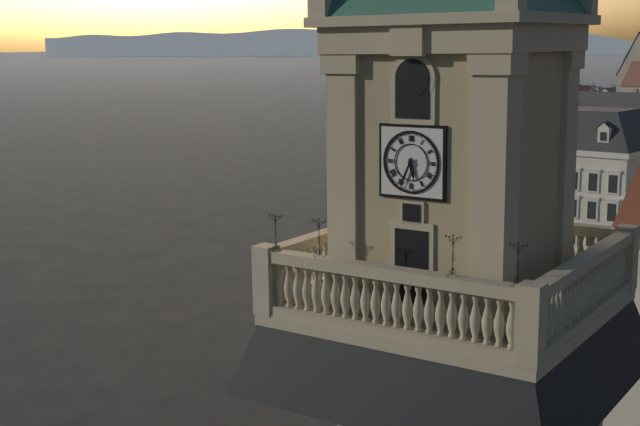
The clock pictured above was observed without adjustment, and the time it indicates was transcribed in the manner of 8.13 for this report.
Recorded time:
5.34
